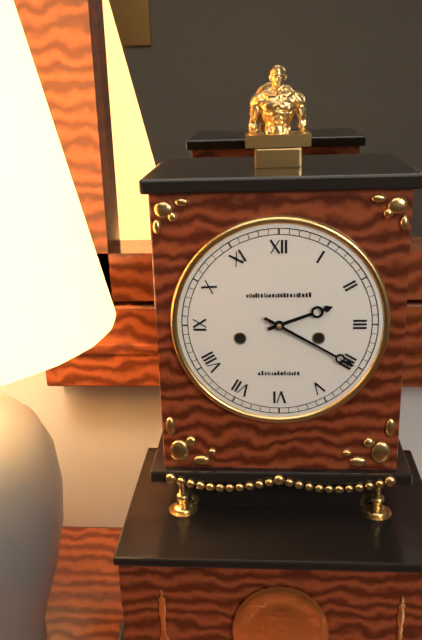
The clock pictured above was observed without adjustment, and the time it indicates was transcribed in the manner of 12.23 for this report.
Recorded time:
2.20
